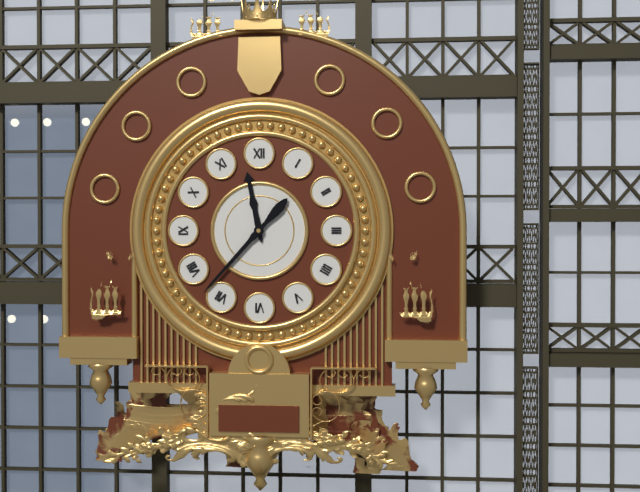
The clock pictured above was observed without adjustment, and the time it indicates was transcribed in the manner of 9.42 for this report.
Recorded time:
11.37
